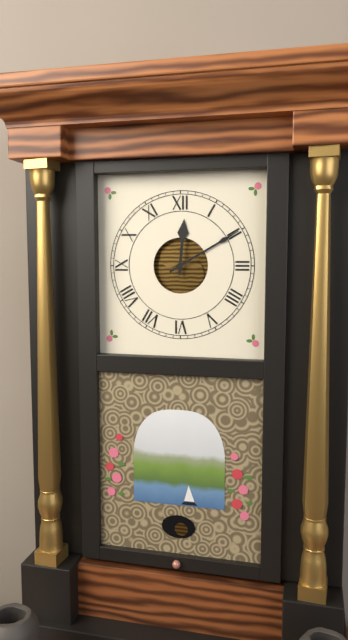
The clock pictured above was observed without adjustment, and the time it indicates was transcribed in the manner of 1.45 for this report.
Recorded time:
12.10
